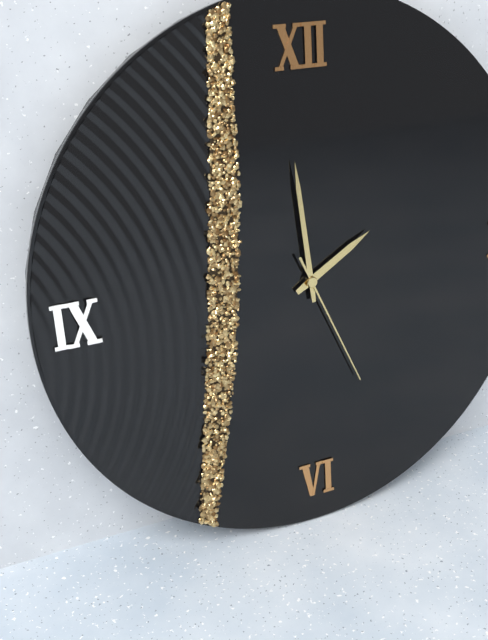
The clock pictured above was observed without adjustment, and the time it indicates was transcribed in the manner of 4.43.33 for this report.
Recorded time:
1.59.26
